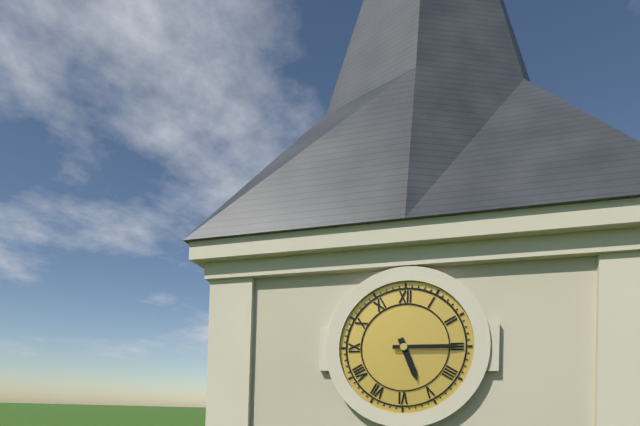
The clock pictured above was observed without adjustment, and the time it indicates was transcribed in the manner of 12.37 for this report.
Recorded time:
5.15
